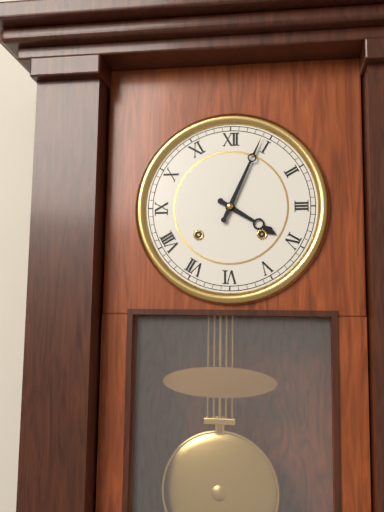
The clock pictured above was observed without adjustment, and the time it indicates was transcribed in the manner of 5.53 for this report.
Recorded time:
4.04
